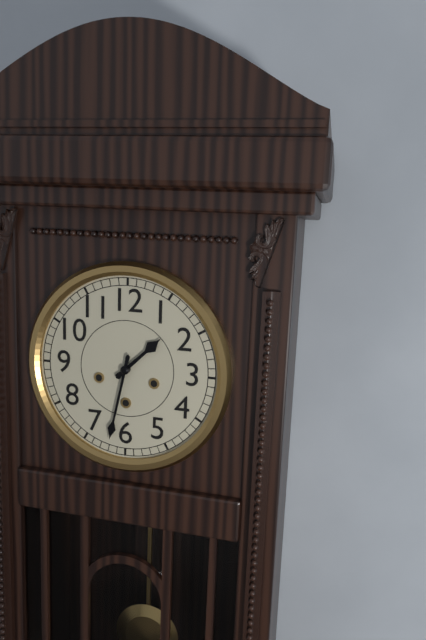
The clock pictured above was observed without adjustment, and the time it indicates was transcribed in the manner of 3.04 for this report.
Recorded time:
1.32
